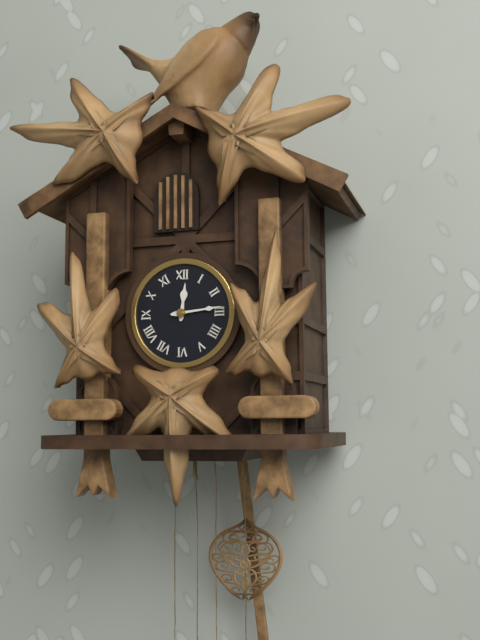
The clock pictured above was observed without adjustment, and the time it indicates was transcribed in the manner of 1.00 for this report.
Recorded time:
12.14
